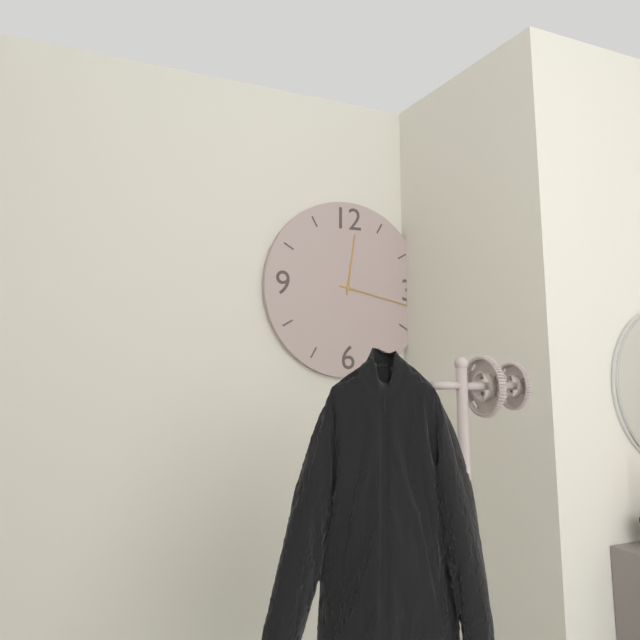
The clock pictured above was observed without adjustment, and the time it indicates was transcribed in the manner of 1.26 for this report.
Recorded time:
12.17
